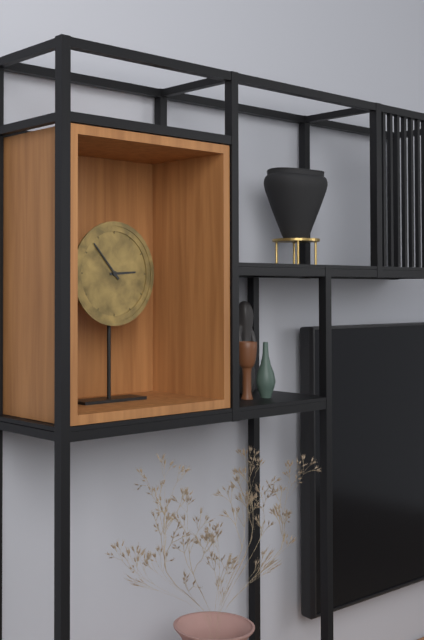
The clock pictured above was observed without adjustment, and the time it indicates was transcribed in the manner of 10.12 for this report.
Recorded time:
2.53
